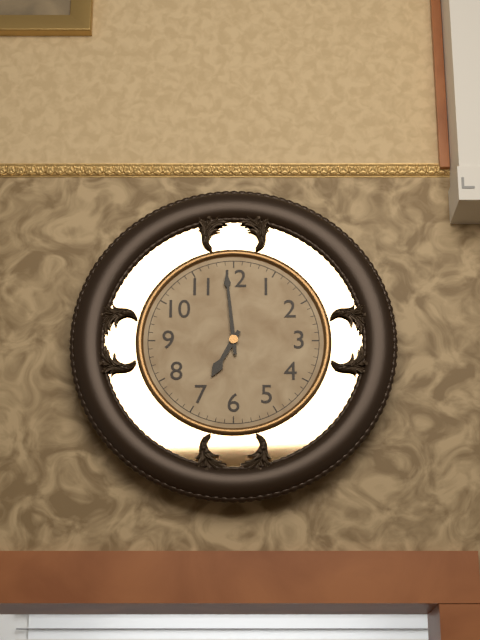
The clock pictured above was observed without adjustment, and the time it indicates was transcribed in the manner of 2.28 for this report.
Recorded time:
6.59
